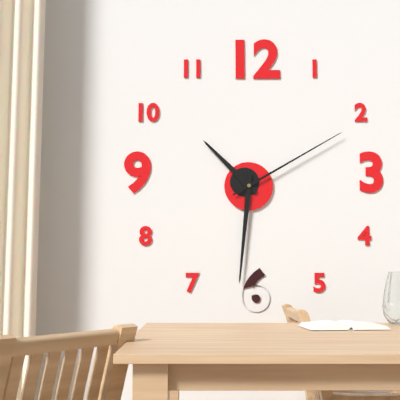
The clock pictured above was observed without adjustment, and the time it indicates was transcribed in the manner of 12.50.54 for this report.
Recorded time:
10.31.10
